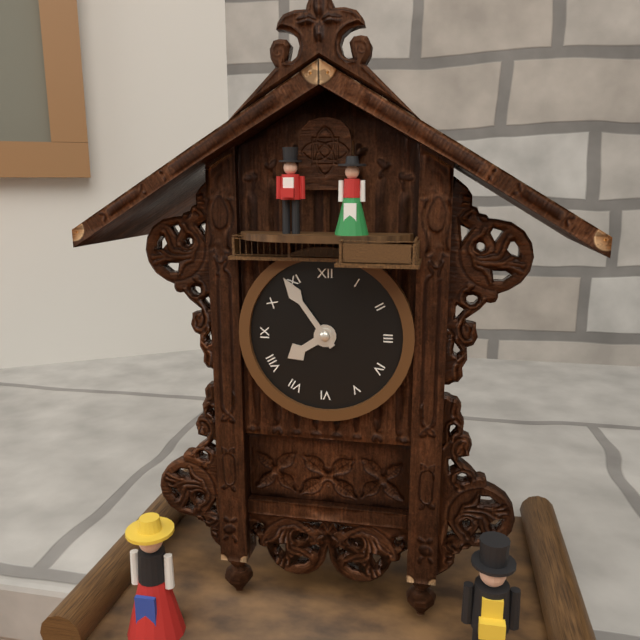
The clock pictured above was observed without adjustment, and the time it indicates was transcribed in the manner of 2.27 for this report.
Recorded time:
7.54
